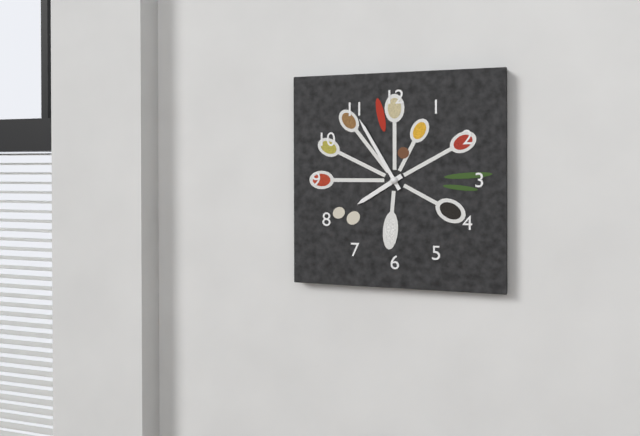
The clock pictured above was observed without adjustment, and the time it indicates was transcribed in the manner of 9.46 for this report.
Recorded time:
7.55
